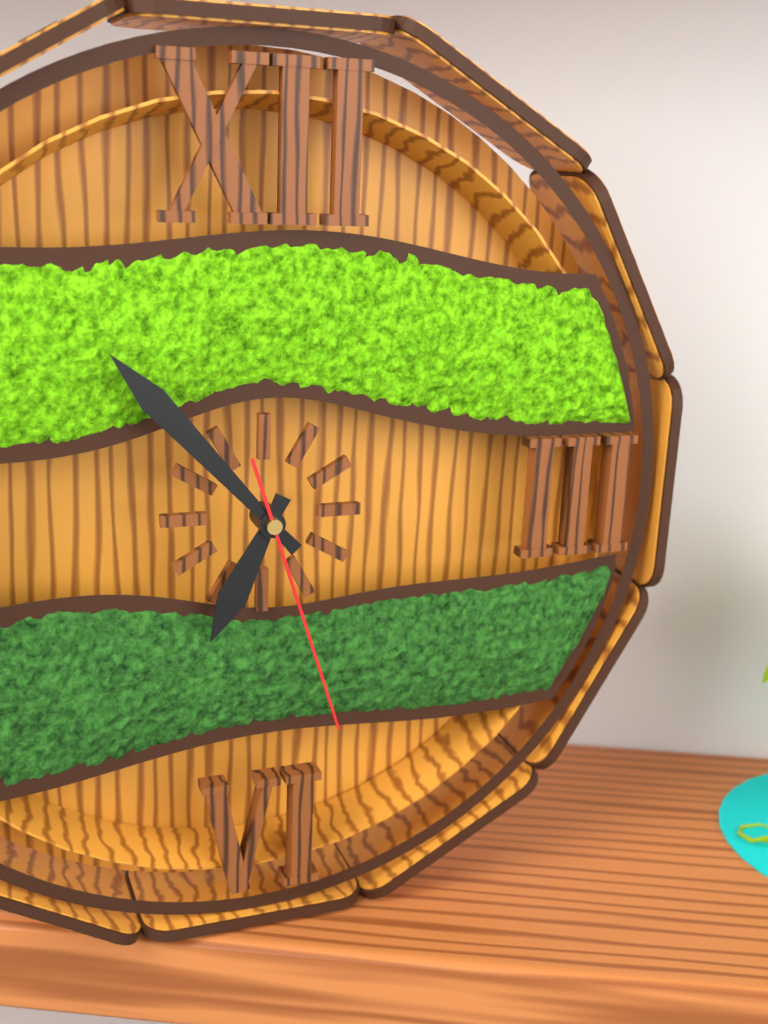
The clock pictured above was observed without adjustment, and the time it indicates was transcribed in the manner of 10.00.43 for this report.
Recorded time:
6.53.27
